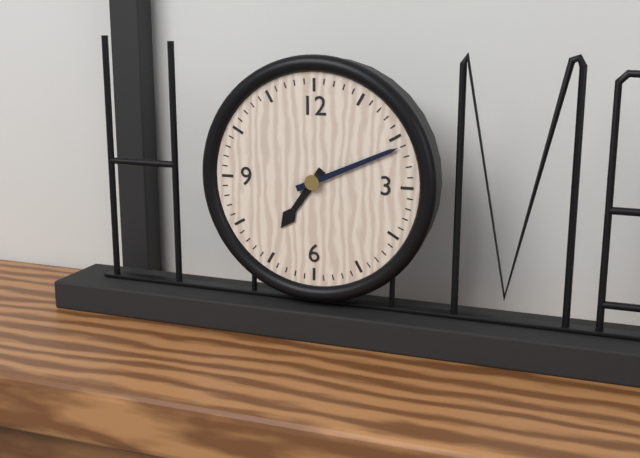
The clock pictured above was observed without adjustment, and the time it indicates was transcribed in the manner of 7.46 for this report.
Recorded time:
7.11
